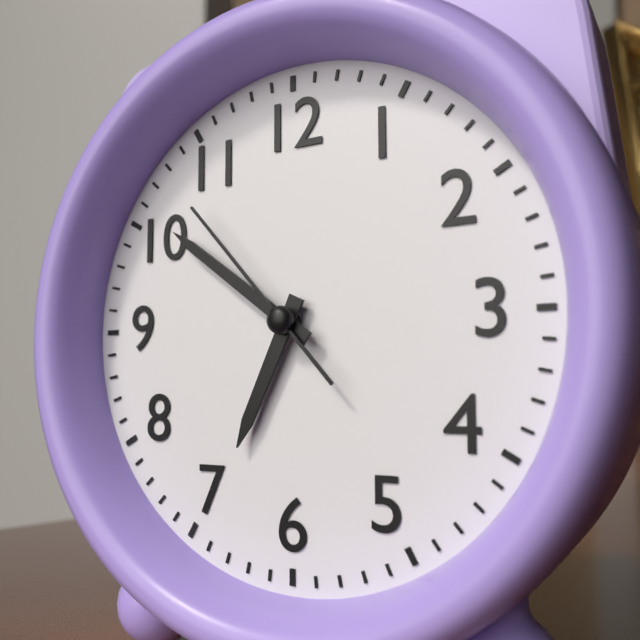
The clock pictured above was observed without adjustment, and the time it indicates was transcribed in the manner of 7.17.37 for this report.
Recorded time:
6.51.53
